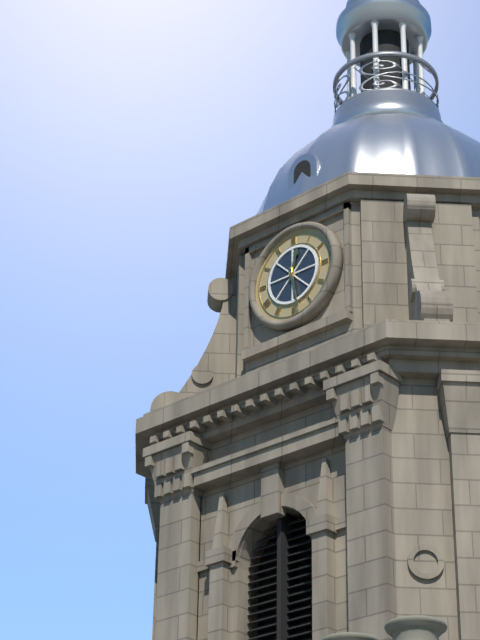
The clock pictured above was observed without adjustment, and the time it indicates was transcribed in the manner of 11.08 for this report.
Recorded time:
12.28
